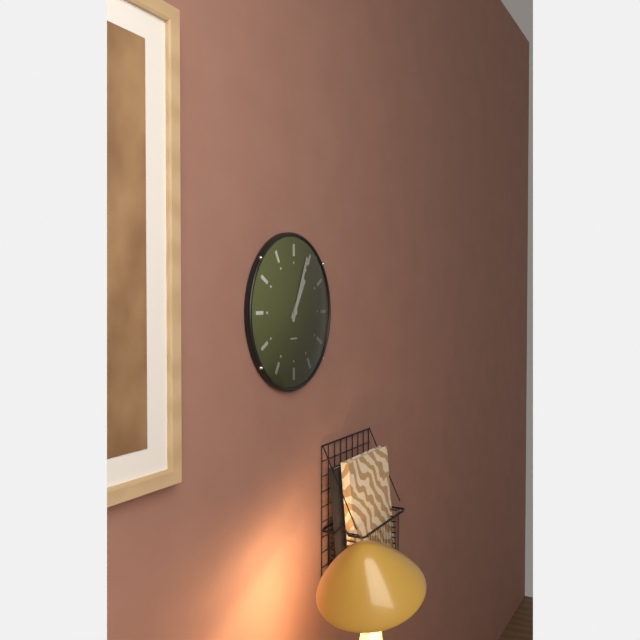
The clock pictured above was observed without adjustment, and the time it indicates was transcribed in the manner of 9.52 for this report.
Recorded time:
1.04
